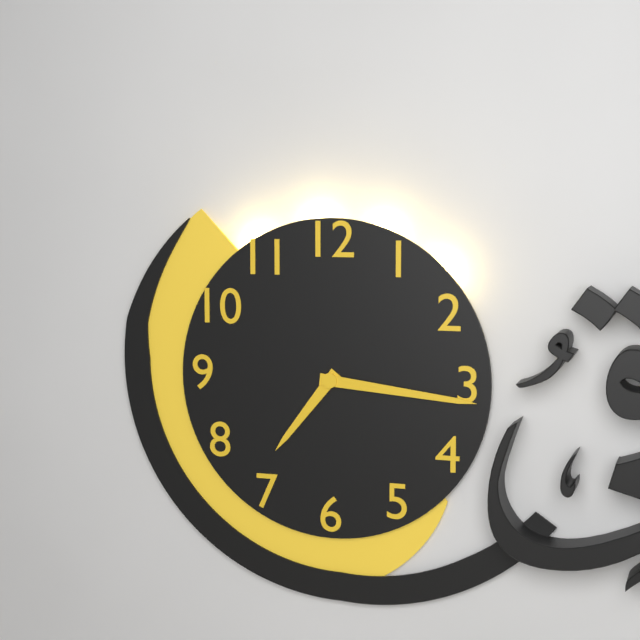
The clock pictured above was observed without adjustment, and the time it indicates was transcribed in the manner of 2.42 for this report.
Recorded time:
7.16
